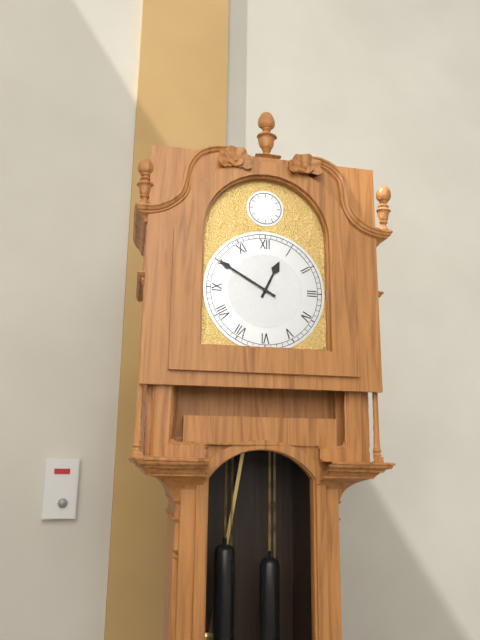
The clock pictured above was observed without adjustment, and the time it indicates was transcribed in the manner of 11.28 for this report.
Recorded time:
12.50
